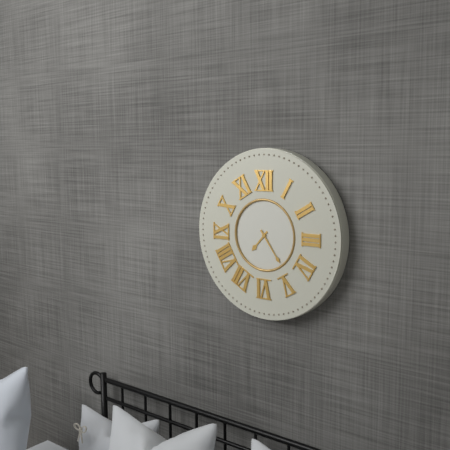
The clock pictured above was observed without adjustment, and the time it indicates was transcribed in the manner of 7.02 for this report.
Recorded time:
7.24
